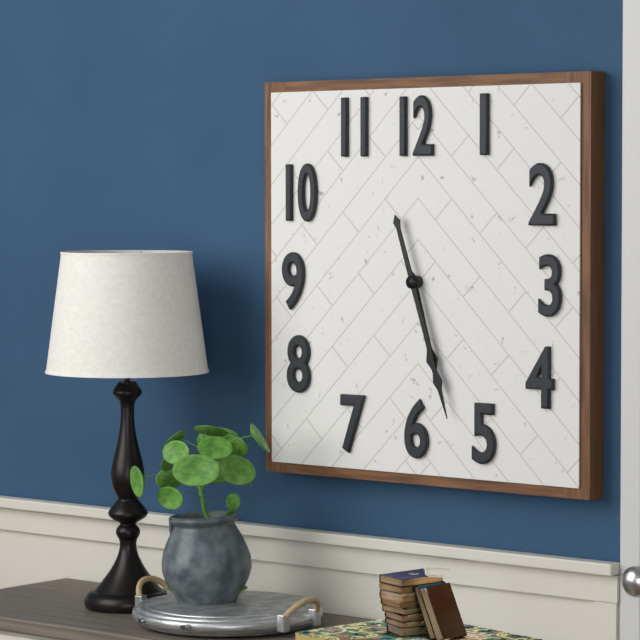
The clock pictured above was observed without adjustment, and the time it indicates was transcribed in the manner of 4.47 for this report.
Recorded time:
5.27
